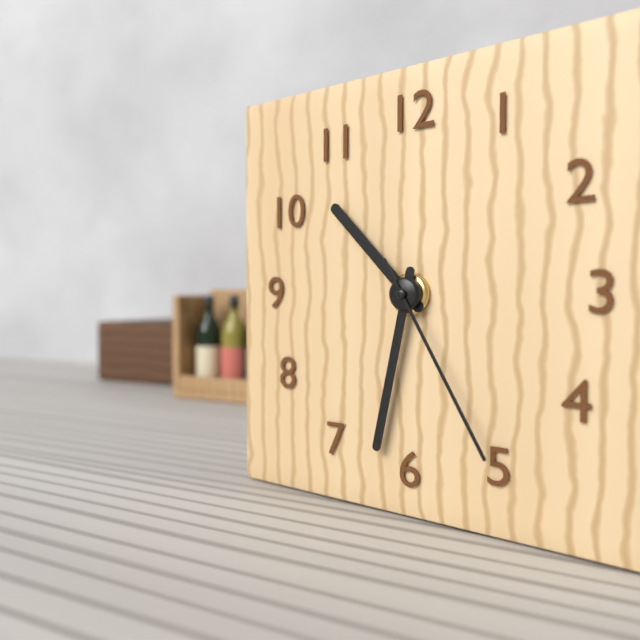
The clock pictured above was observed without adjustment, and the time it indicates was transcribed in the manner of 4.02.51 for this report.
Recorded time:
10.32.25
